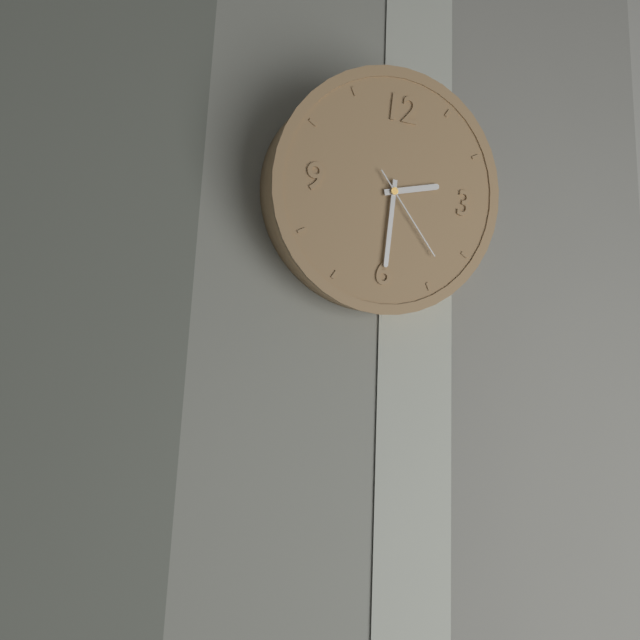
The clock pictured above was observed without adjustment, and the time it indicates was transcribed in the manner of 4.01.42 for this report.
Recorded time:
2.30.23
